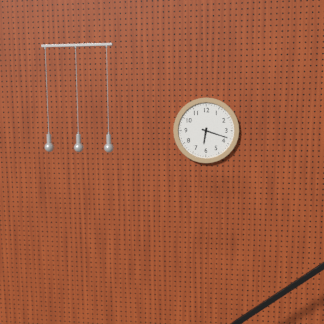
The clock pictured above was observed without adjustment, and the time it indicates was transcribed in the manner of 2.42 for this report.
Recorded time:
6.18
